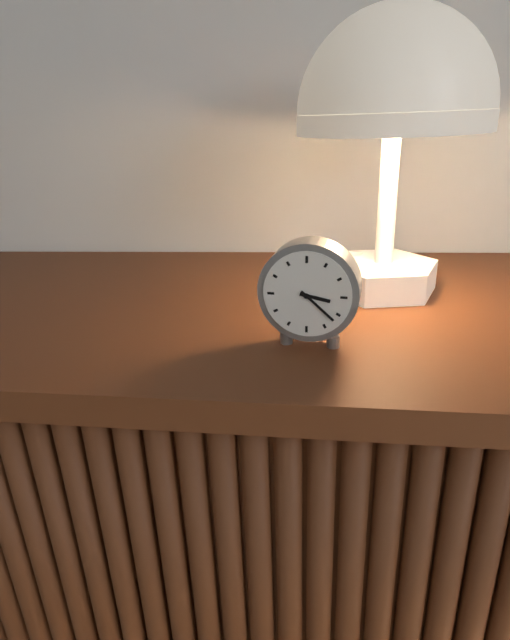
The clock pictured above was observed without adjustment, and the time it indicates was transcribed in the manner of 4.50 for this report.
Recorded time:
3.22
